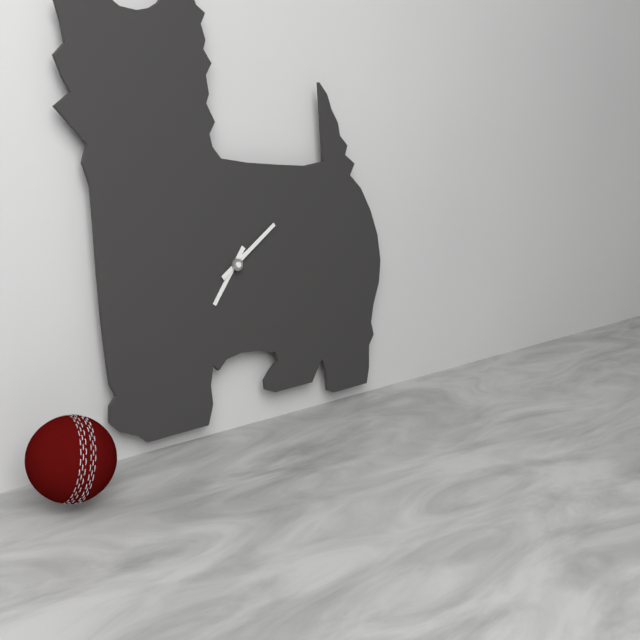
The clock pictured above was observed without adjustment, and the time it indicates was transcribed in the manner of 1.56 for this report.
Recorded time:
7.09
